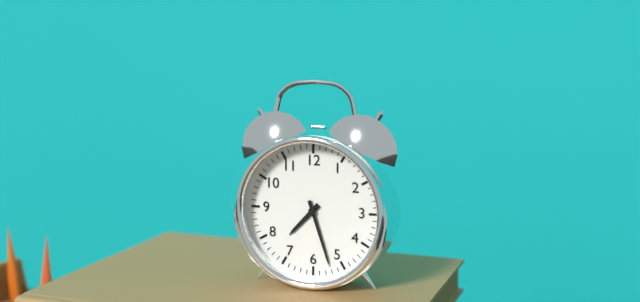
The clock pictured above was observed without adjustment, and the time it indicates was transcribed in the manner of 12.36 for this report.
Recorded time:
7.27
